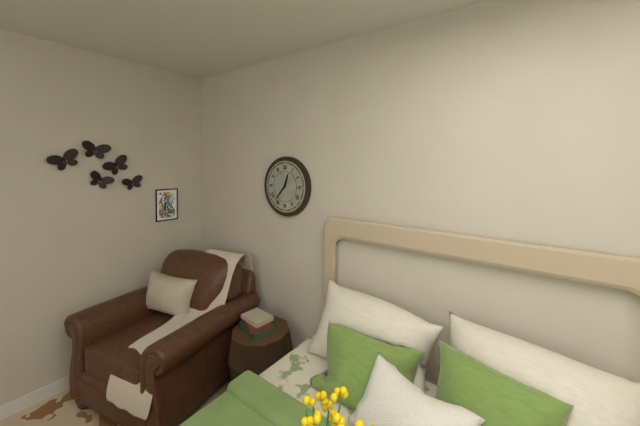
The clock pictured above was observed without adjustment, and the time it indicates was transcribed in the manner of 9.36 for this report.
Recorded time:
12.37
